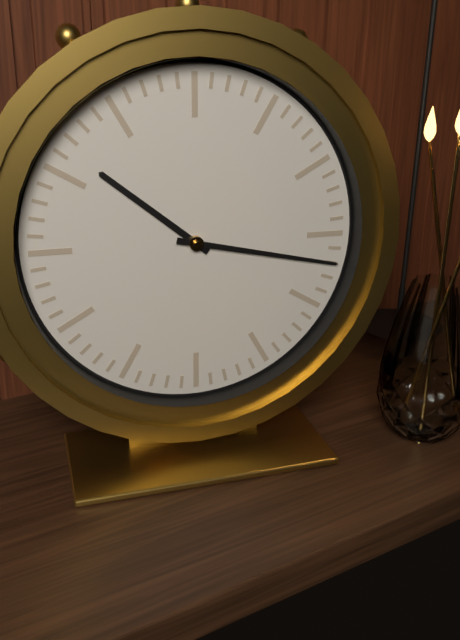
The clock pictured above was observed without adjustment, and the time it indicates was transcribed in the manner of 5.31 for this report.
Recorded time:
10.17
